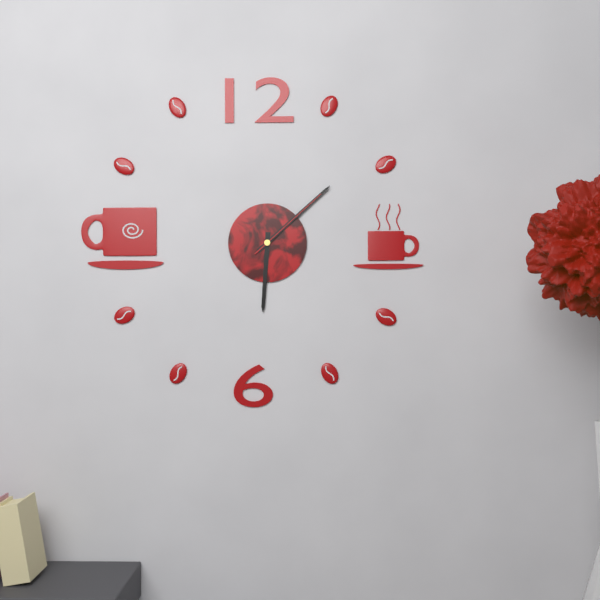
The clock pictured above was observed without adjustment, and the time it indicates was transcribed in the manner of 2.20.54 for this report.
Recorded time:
6.08.08
